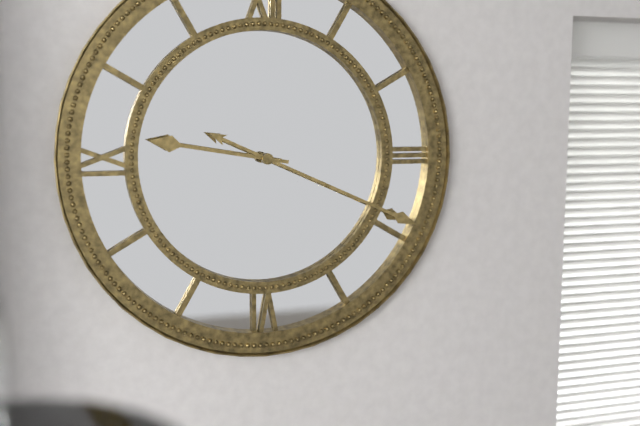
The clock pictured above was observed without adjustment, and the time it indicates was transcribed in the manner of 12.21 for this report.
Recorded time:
9.19
